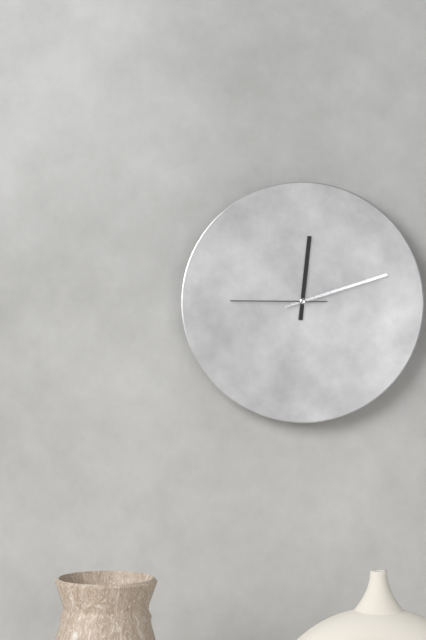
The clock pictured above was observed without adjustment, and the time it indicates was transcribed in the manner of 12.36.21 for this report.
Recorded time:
12.12.45
